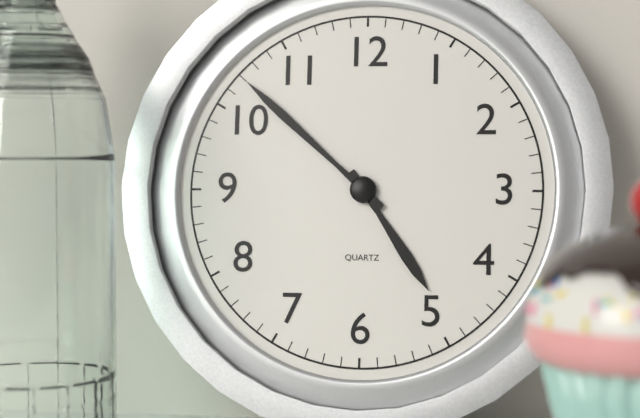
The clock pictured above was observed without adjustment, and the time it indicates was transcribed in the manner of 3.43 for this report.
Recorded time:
4.52
